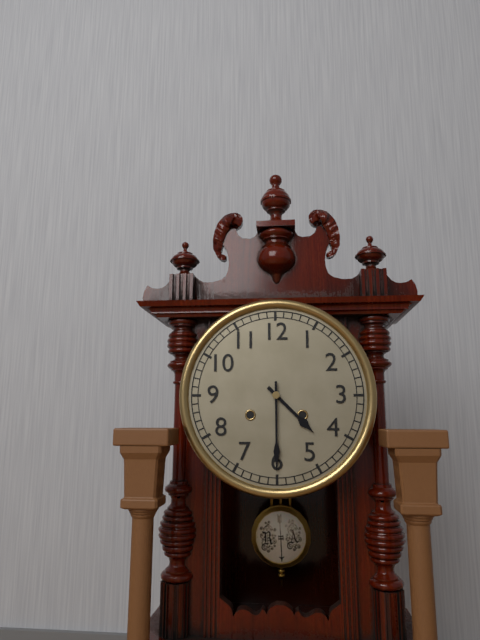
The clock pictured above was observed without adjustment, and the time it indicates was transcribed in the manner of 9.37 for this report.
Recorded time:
4.30
